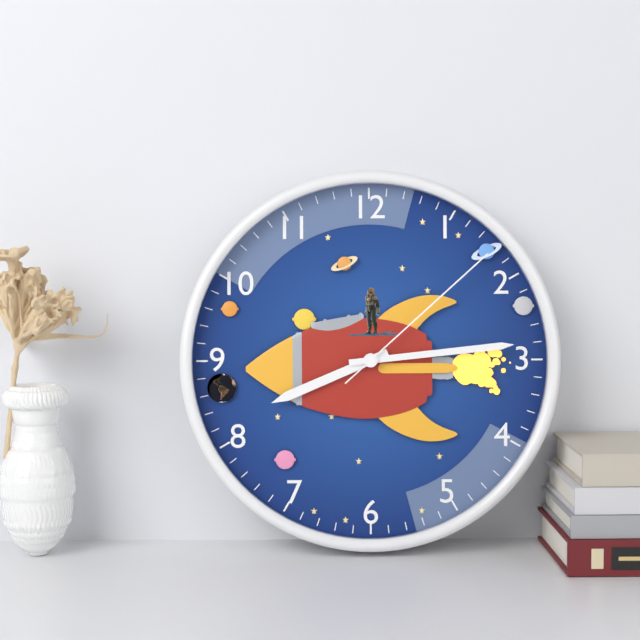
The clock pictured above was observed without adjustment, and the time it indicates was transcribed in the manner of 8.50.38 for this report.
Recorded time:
8.14.08
